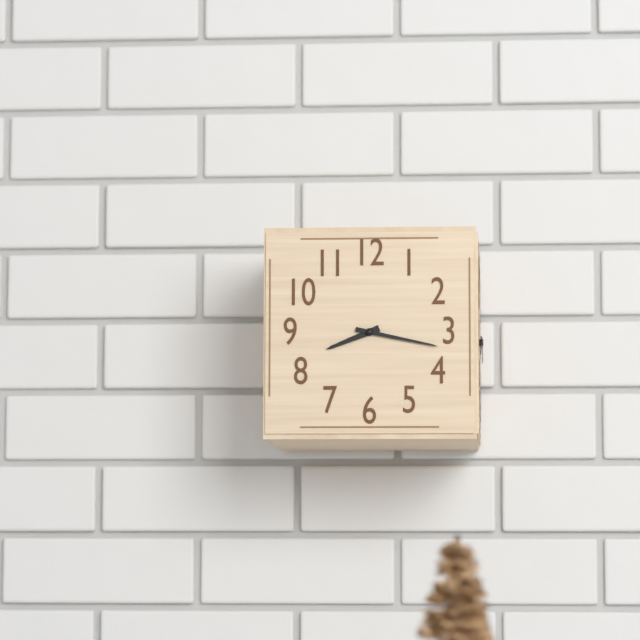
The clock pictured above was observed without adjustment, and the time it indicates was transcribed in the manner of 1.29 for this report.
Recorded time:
8.17
